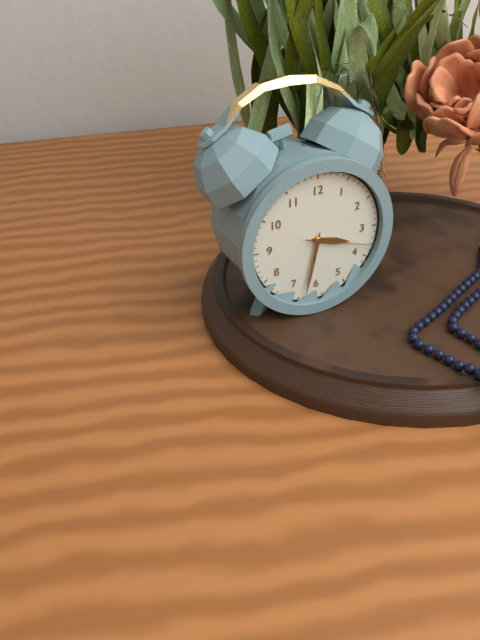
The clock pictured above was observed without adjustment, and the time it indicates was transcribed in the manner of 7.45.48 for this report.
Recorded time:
3.32.18
